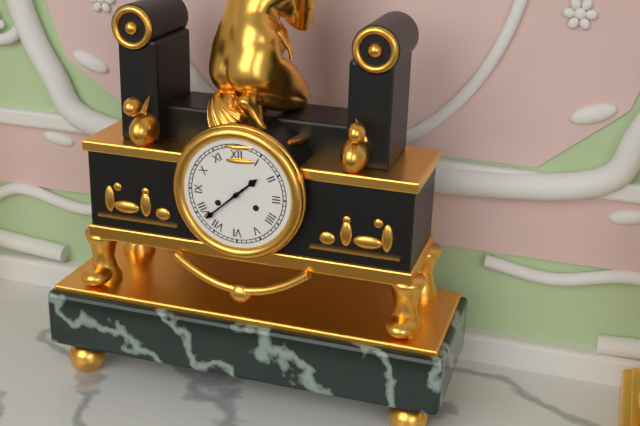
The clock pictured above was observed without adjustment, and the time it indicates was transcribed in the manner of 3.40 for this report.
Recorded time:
1.38
